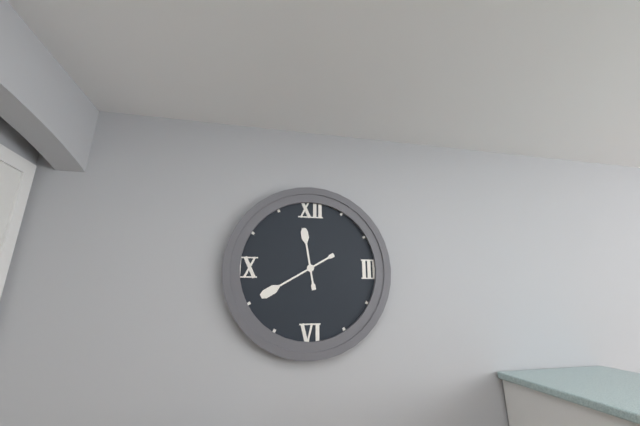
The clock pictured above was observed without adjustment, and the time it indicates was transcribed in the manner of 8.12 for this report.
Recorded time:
11.40
